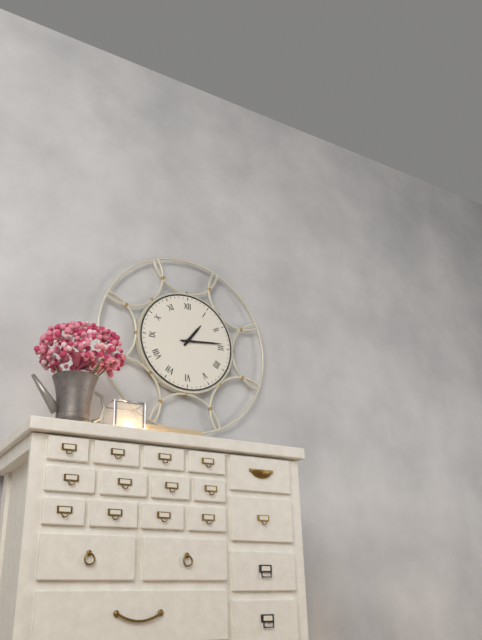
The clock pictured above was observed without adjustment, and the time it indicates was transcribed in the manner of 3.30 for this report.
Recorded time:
1.14
